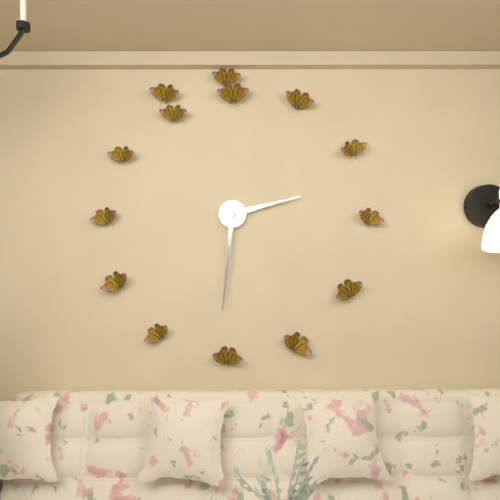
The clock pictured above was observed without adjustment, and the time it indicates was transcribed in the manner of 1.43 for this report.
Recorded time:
2.31
